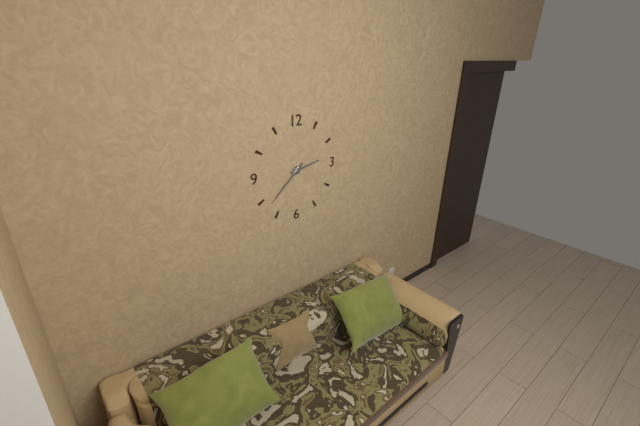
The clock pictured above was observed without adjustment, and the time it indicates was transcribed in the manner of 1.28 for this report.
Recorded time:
2.38
